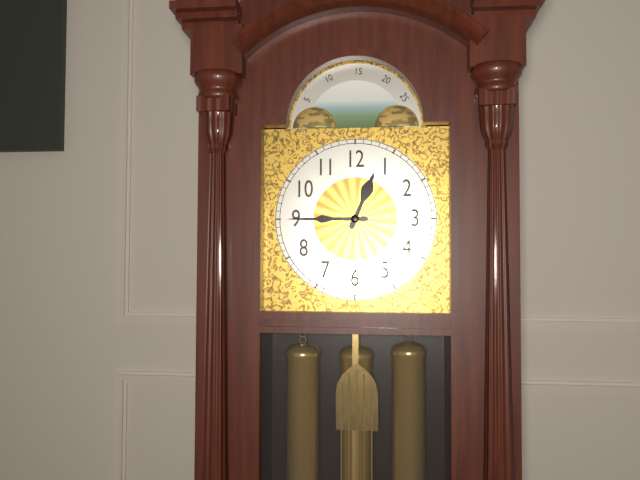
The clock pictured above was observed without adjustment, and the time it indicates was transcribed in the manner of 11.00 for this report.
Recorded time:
12.45
